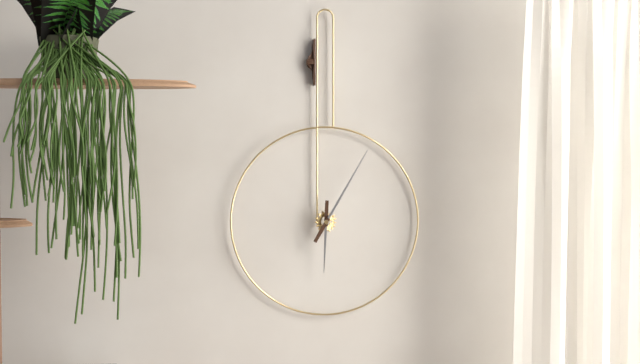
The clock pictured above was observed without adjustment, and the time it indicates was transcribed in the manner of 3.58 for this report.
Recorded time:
6.05
